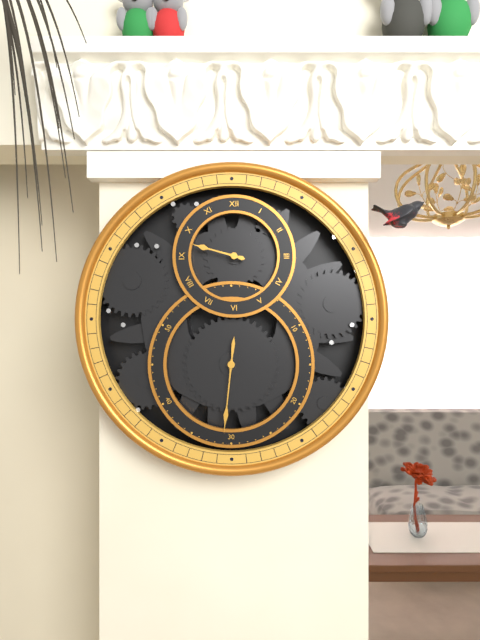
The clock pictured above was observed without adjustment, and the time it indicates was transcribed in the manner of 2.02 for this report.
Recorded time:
9.31
